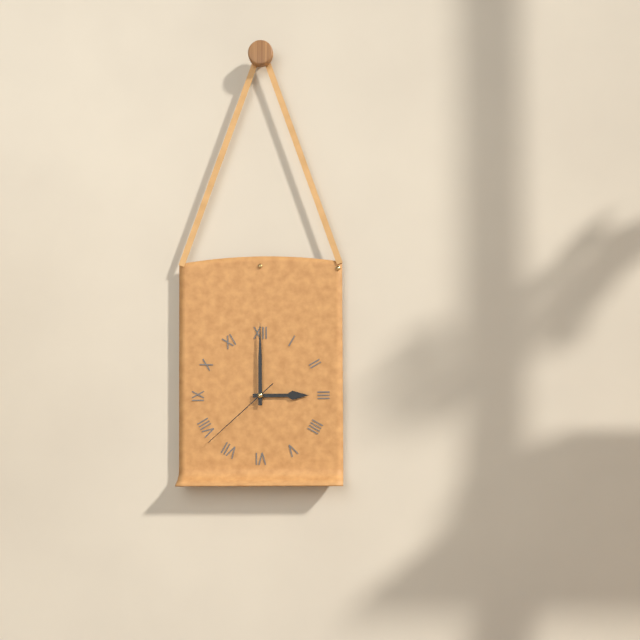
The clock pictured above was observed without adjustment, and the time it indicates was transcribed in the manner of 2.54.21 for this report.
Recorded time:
3.00.38
